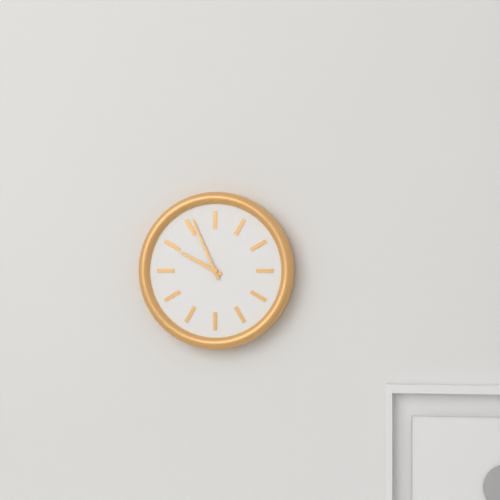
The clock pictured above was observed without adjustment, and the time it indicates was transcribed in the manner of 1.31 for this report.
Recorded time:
9.56
